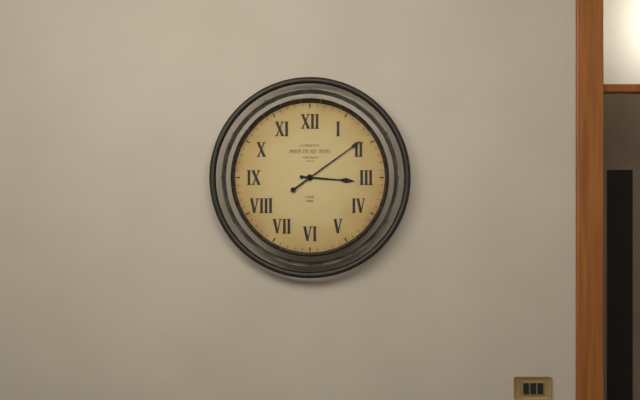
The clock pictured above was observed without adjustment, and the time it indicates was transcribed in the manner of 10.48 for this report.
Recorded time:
3.09
